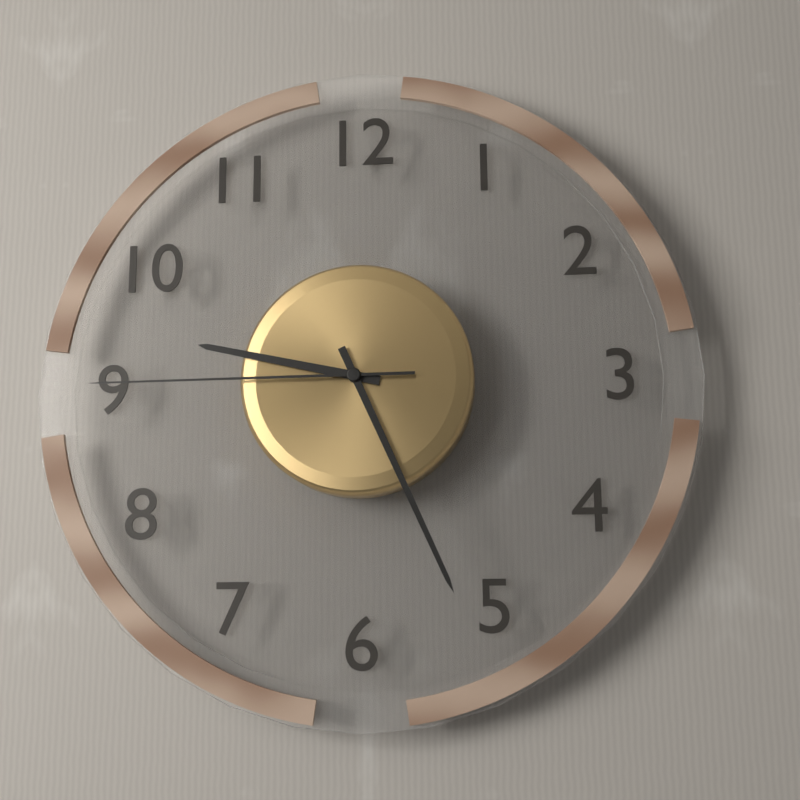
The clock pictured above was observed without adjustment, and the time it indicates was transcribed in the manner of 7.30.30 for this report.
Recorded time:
9.26.45
